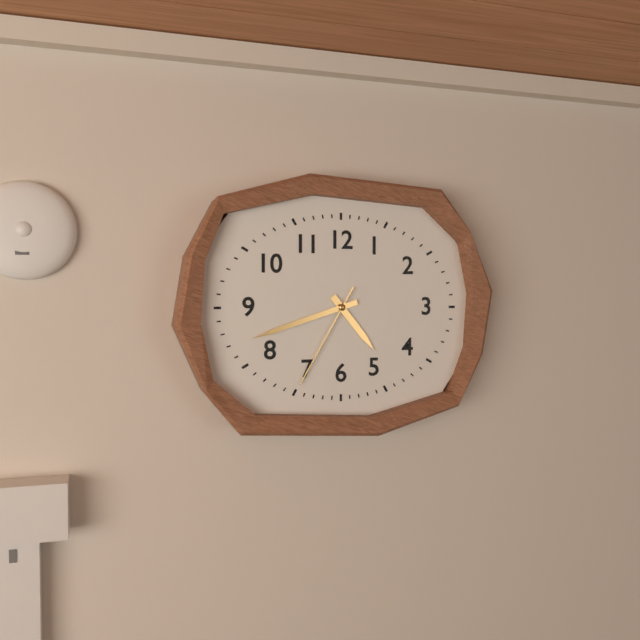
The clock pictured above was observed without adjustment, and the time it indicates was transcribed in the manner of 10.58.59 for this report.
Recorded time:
4.42.35
